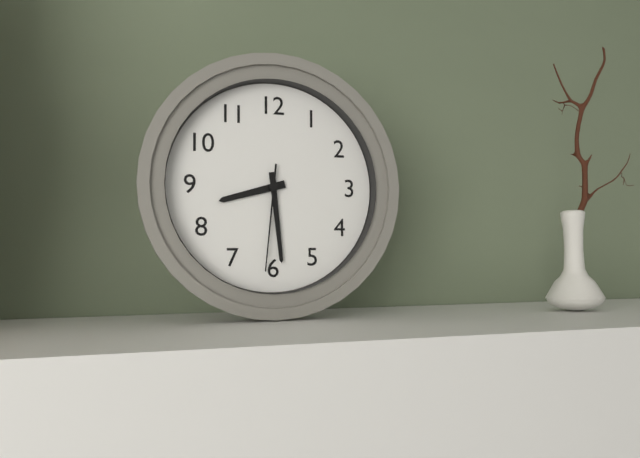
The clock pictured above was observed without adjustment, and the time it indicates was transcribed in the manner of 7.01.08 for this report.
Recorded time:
8.29.31
